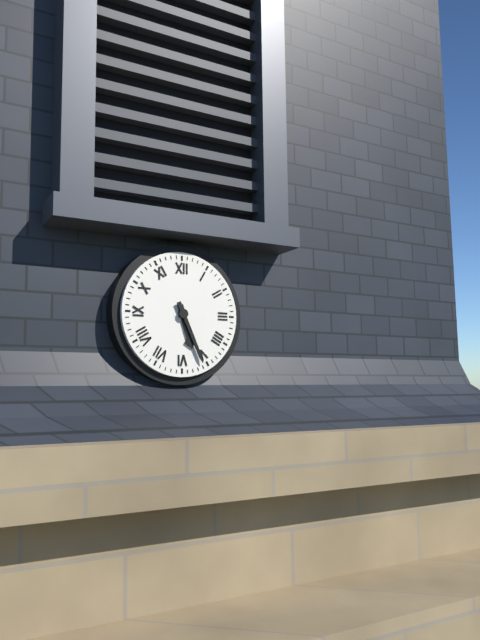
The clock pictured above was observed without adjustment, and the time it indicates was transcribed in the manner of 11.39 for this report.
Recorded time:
5.26
